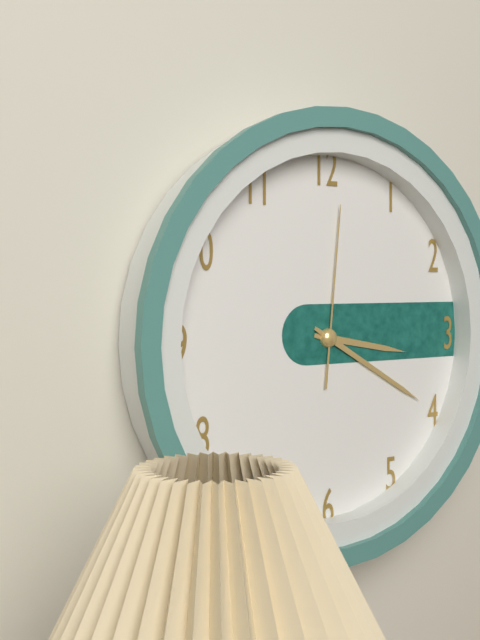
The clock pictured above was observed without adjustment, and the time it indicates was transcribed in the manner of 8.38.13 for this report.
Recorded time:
3.20.01
